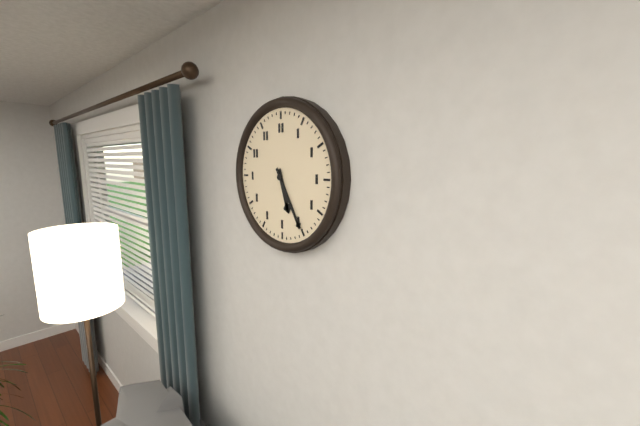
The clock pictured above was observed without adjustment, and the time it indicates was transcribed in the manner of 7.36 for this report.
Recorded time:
5.25
